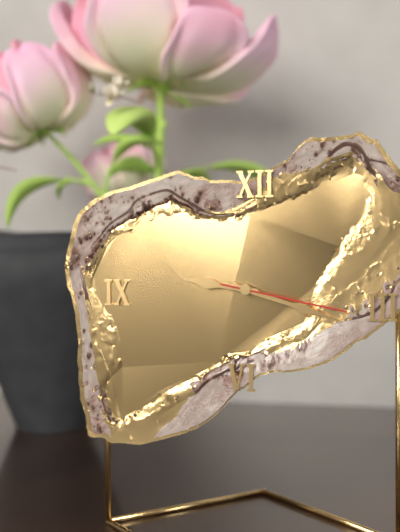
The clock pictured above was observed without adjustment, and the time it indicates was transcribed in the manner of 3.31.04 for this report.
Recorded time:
9.18.17
